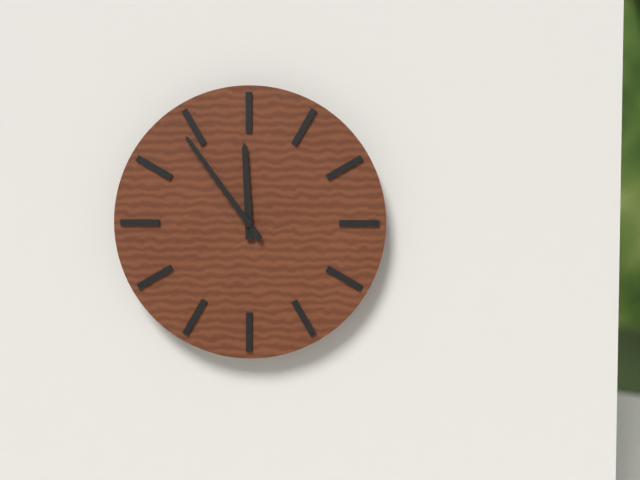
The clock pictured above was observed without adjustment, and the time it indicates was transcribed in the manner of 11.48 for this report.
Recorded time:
11.54
